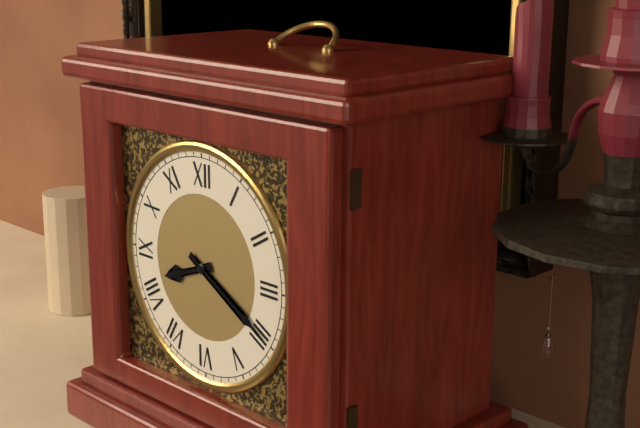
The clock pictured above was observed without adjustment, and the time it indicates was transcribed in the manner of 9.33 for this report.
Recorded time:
8.20
